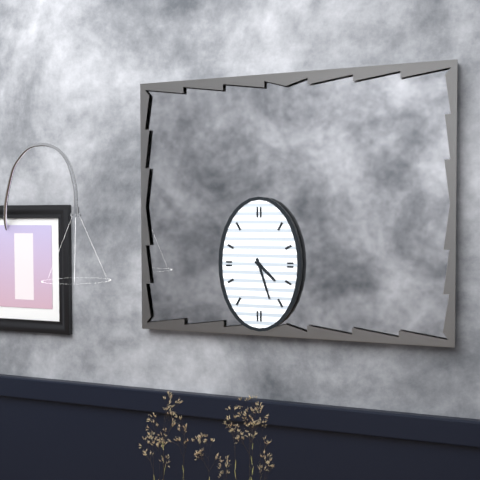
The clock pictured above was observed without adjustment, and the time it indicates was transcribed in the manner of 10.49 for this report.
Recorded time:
4.27
